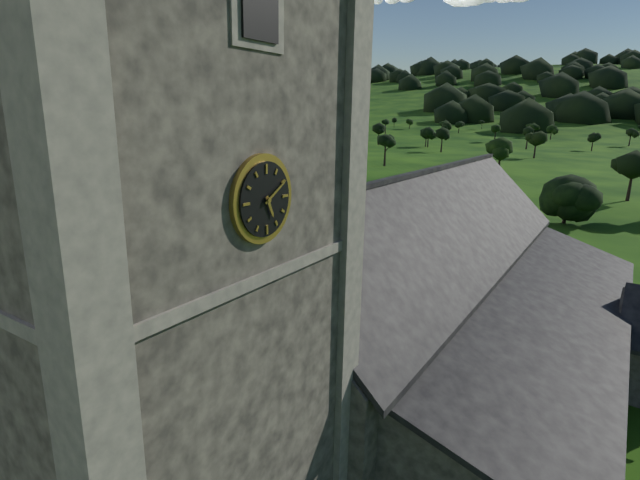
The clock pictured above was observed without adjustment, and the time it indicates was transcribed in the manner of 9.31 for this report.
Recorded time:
5.10
